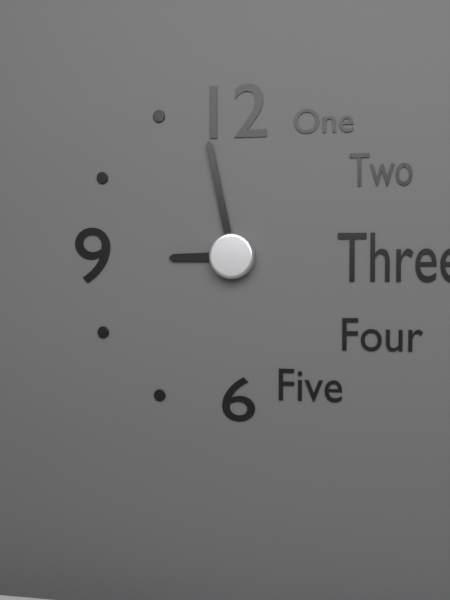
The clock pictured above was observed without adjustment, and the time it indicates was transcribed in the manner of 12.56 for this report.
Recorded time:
8.58
